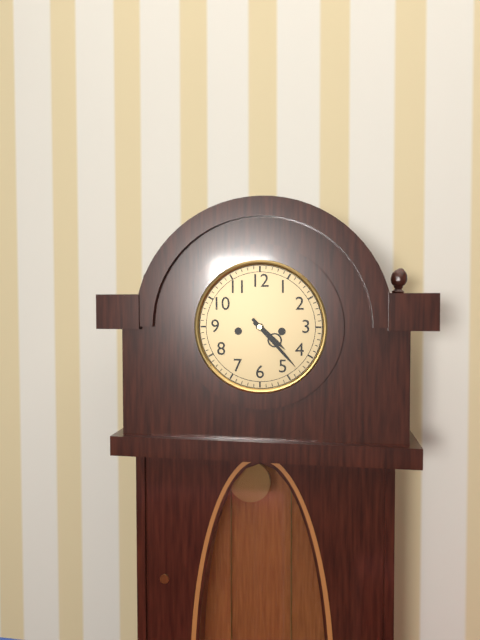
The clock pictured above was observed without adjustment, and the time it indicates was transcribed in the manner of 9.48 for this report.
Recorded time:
4.23
